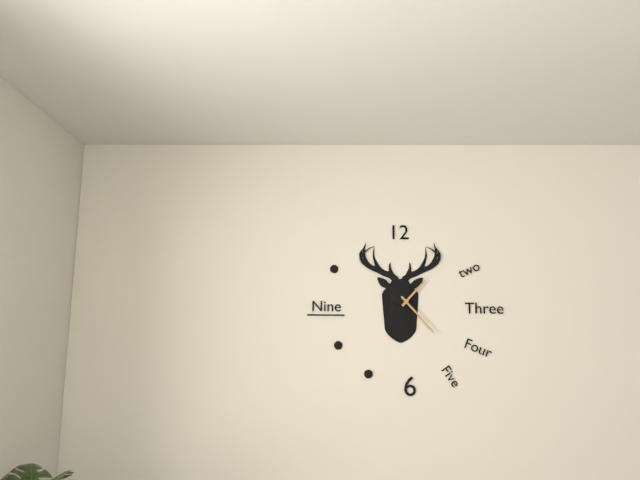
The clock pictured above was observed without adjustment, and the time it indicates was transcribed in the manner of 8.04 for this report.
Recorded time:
1.23
